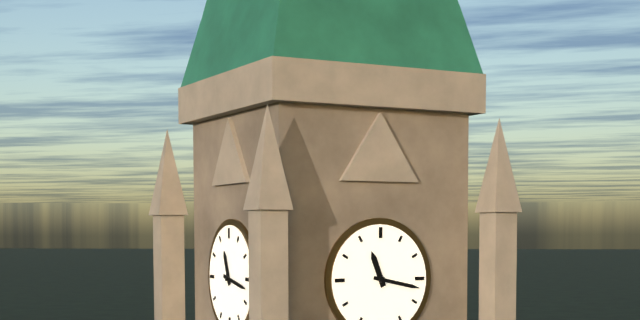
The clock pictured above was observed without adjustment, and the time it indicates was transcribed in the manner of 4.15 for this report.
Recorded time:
11.17
